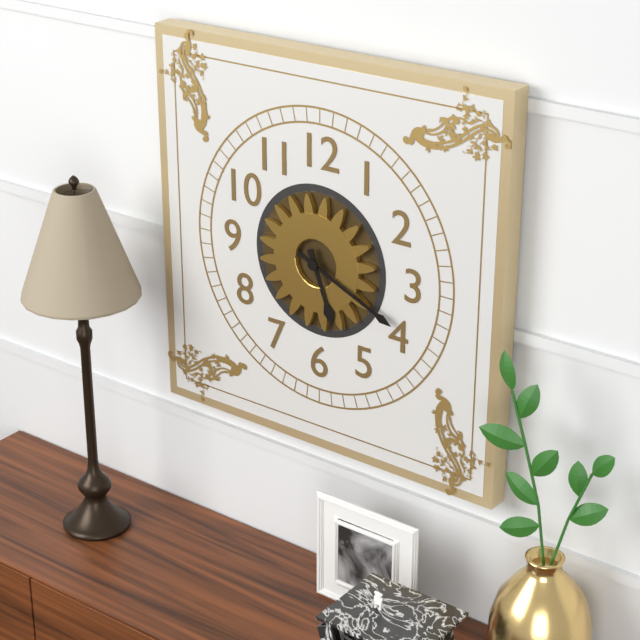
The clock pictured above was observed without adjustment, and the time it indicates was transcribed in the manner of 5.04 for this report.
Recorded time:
5.19
